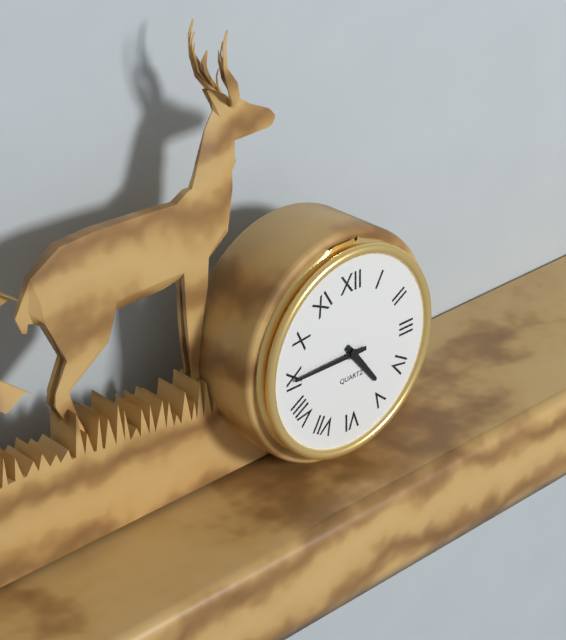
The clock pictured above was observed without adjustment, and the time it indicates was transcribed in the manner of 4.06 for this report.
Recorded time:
4.45
